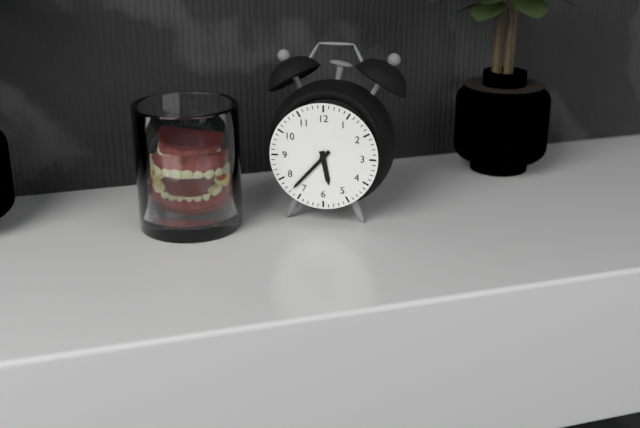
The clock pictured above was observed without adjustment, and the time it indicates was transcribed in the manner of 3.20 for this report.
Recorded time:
5.37
